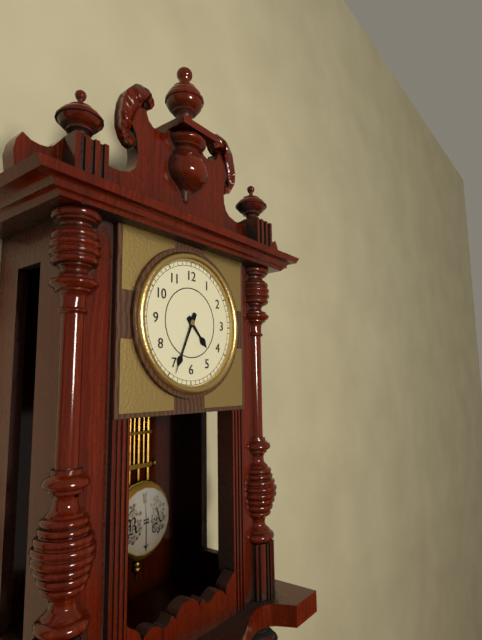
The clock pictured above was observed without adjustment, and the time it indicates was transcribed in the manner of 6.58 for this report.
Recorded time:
4.34
